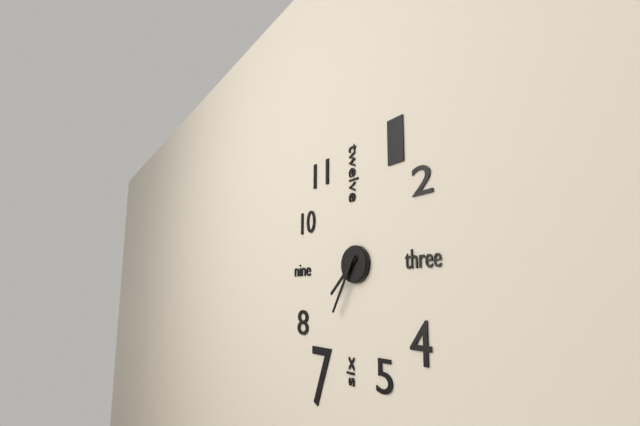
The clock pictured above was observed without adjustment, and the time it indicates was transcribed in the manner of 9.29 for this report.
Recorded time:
7.35
